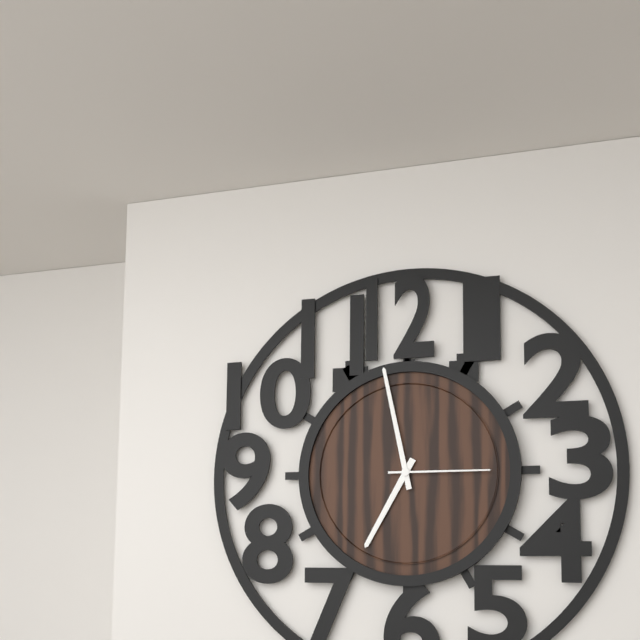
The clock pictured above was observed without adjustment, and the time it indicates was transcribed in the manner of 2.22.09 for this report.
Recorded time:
6.58.15
